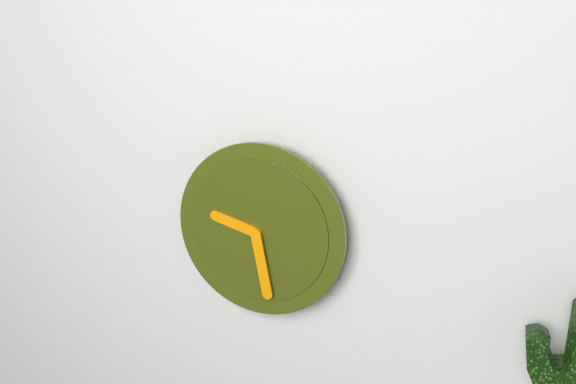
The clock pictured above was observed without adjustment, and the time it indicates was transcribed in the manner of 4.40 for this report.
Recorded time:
9.28
